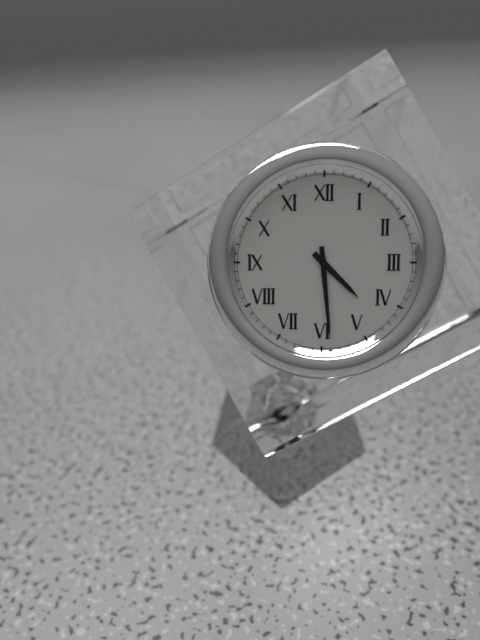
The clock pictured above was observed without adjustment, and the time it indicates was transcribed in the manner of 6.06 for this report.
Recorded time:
4.29
